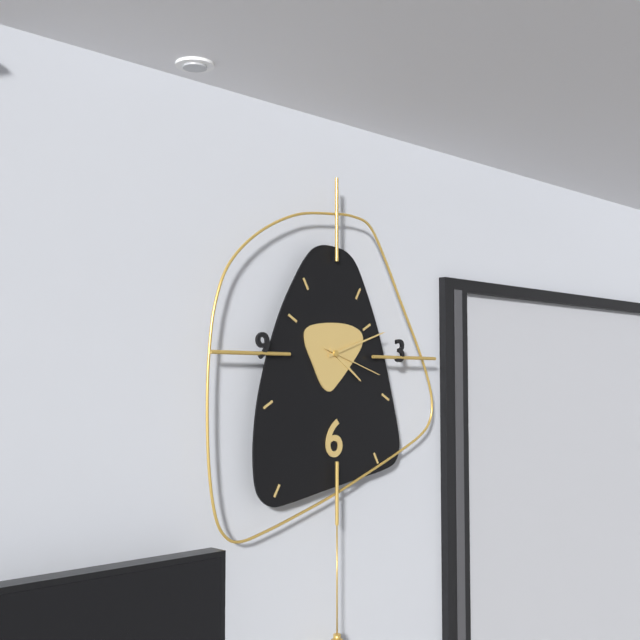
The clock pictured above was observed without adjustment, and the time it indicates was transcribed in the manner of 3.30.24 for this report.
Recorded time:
4.12.18
